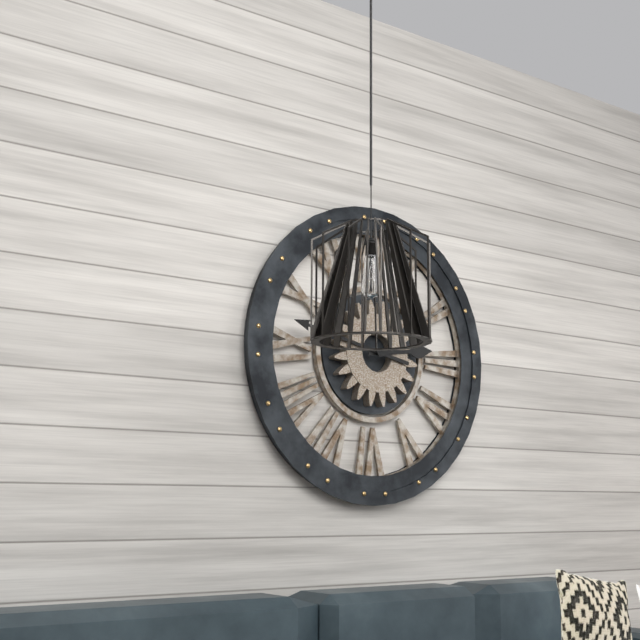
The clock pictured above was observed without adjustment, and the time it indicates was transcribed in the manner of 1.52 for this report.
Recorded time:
2.47
